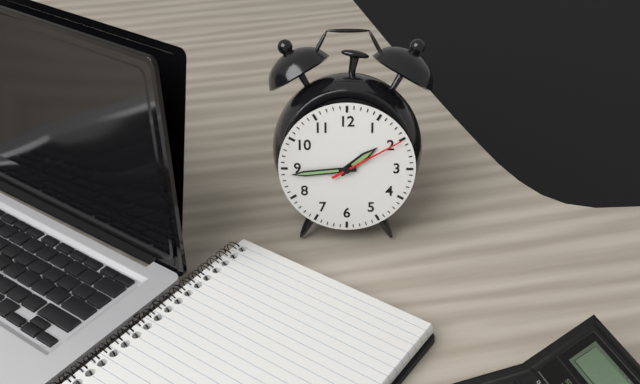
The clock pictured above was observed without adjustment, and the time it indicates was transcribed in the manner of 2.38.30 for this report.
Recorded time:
1.44.10
